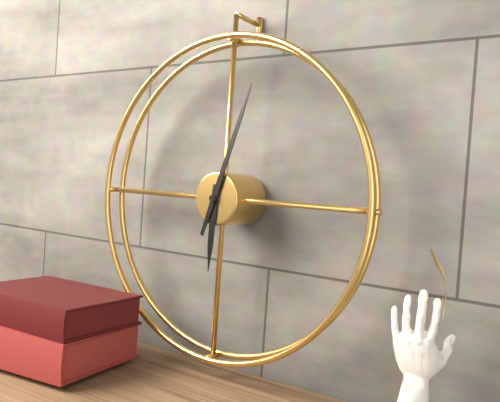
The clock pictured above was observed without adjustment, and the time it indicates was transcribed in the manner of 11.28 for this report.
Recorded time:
6.03
